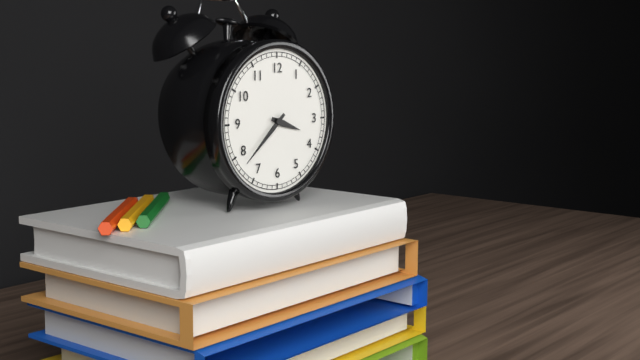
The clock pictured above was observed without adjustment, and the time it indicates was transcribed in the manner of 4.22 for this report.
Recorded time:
3.38
